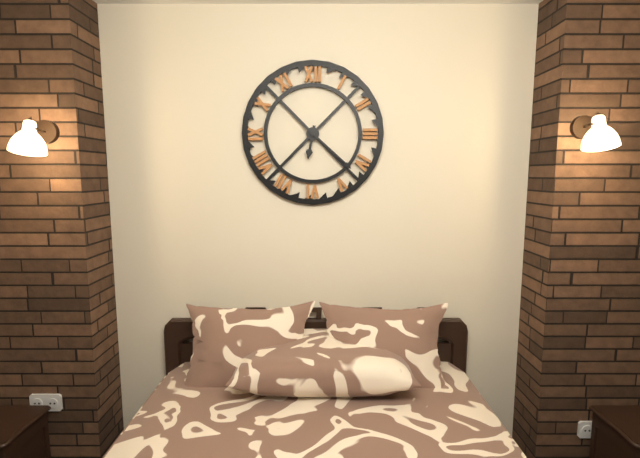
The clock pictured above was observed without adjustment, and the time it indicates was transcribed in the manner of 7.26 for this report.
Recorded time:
6.22
